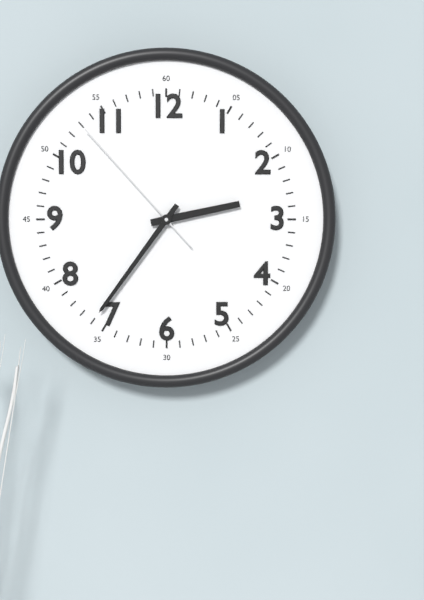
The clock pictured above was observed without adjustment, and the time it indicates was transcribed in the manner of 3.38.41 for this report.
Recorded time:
2.36.53
